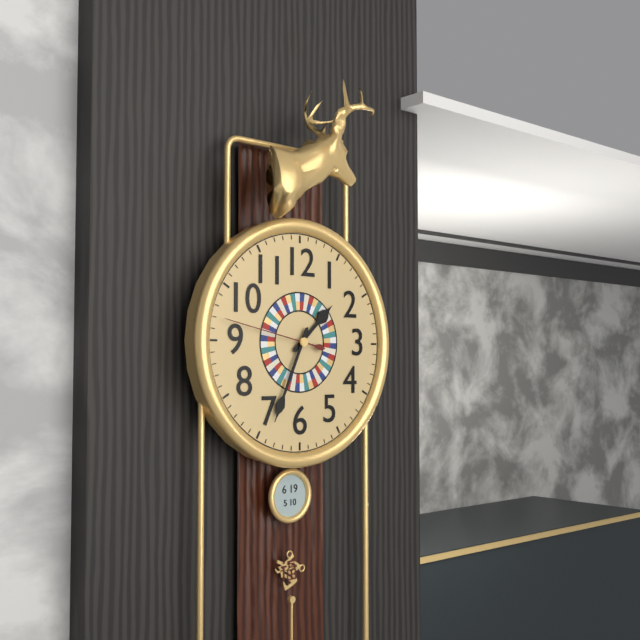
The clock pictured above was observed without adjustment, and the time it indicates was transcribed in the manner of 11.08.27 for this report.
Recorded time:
1.34.47
